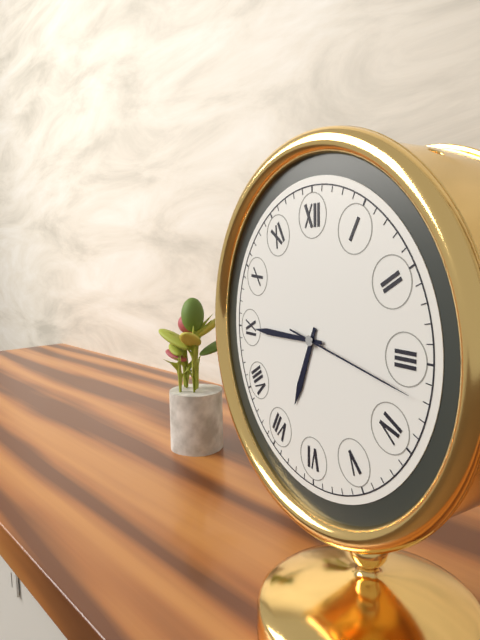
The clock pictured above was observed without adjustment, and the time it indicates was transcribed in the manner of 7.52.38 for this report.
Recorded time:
6.45.17
